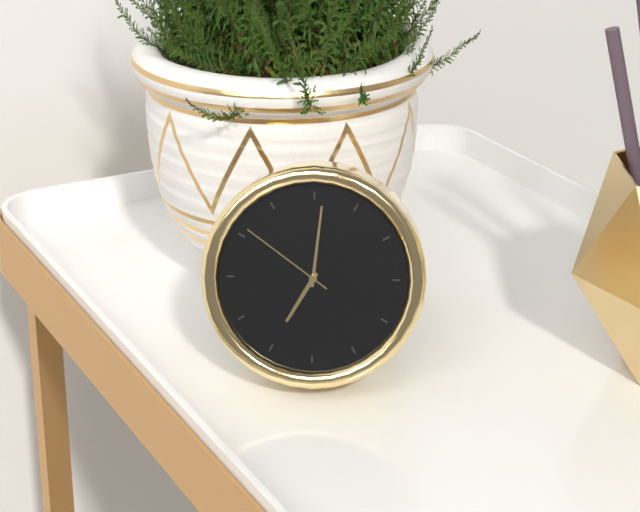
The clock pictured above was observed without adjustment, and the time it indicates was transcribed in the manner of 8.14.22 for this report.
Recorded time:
7.01.51
